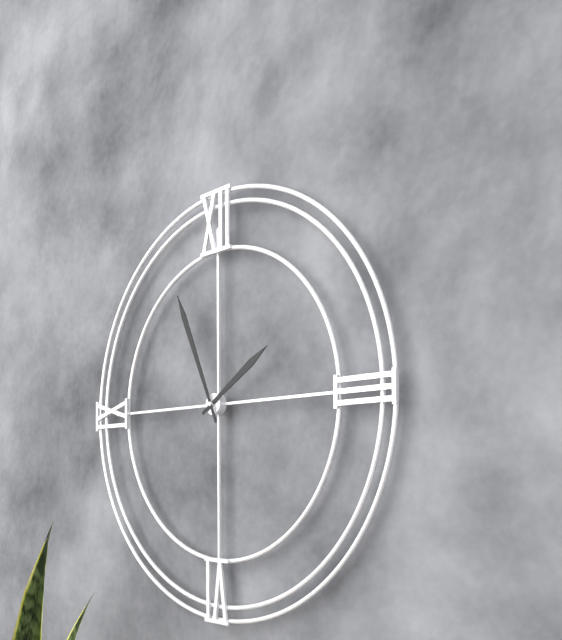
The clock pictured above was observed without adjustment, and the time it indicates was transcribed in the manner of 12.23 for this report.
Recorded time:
1.56
